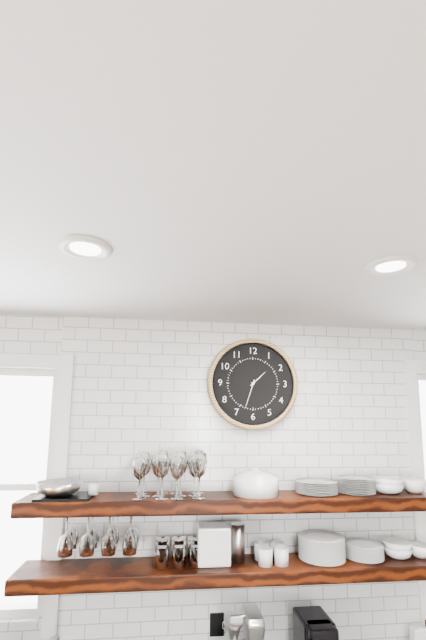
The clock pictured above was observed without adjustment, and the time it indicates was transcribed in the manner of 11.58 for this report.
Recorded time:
1.33
